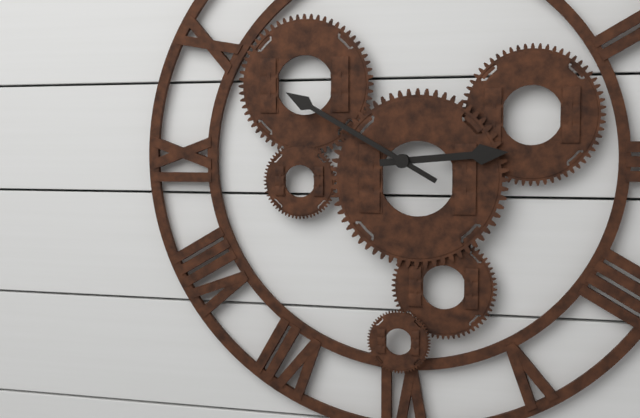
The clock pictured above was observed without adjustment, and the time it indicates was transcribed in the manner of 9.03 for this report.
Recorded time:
2.50
